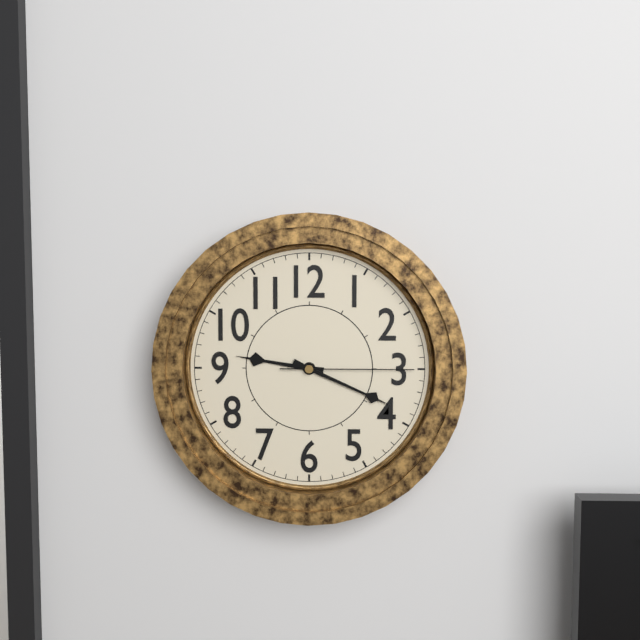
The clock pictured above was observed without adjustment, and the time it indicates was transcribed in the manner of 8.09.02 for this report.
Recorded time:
9.19.15
